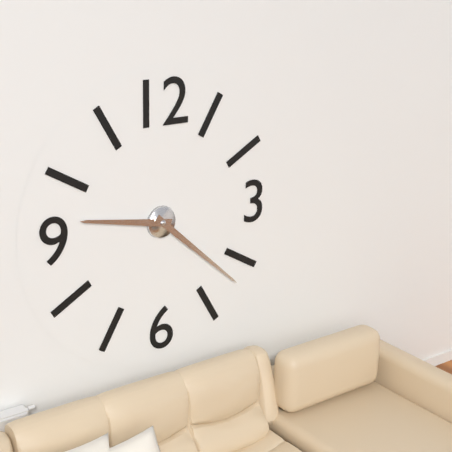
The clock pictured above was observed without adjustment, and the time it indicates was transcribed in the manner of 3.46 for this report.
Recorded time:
9.22
